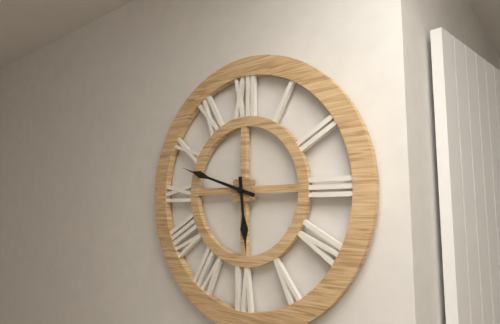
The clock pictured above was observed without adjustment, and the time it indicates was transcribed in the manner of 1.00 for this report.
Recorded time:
5.48
